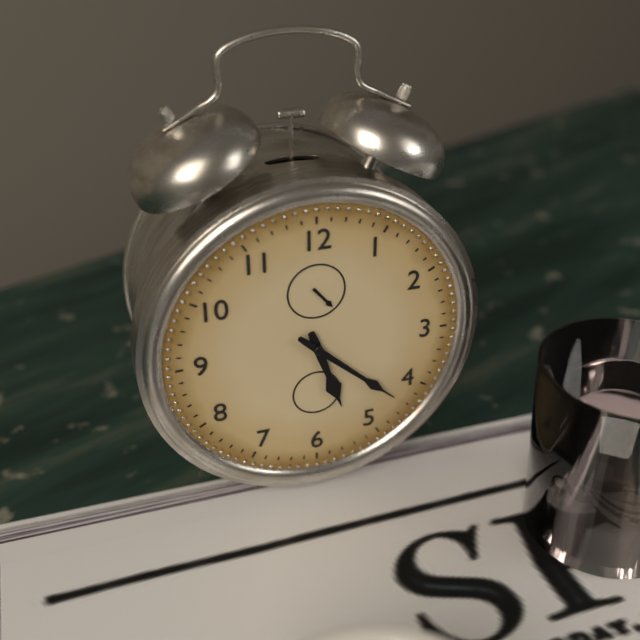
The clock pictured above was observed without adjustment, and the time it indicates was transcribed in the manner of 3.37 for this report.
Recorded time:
5.22
